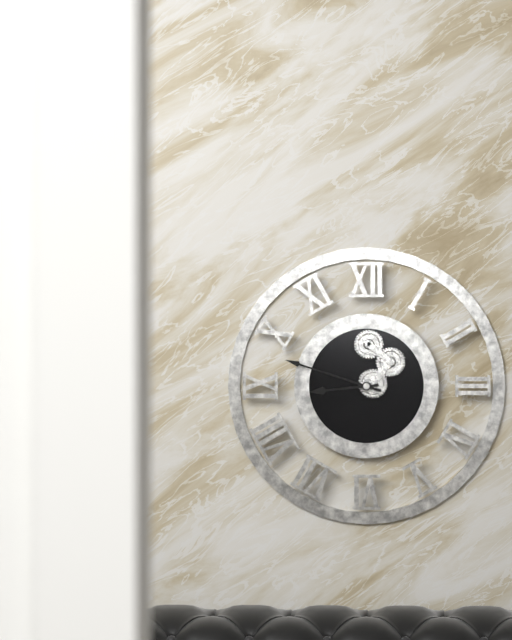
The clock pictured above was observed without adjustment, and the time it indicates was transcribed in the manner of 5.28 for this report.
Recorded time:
8.48
